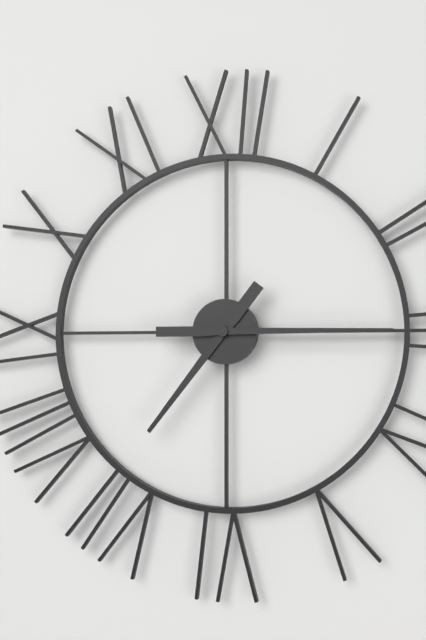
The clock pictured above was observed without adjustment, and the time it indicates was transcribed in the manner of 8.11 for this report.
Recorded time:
7.15
